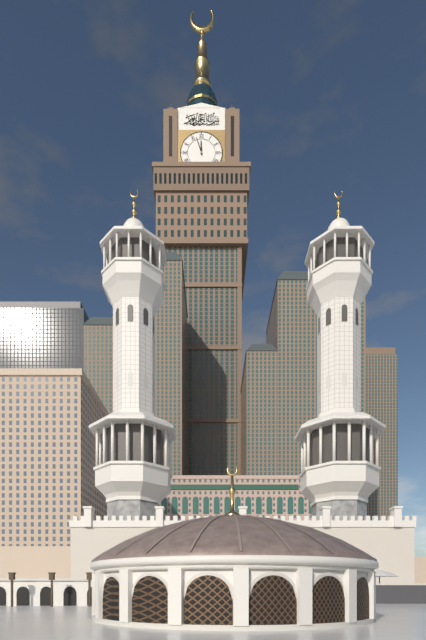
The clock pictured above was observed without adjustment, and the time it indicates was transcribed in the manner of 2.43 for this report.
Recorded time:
11.57
